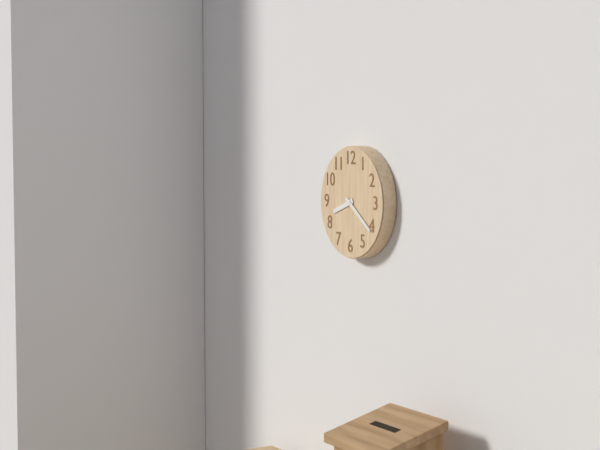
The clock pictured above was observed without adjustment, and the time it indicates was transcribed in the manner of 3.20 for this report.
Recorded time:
8.21
